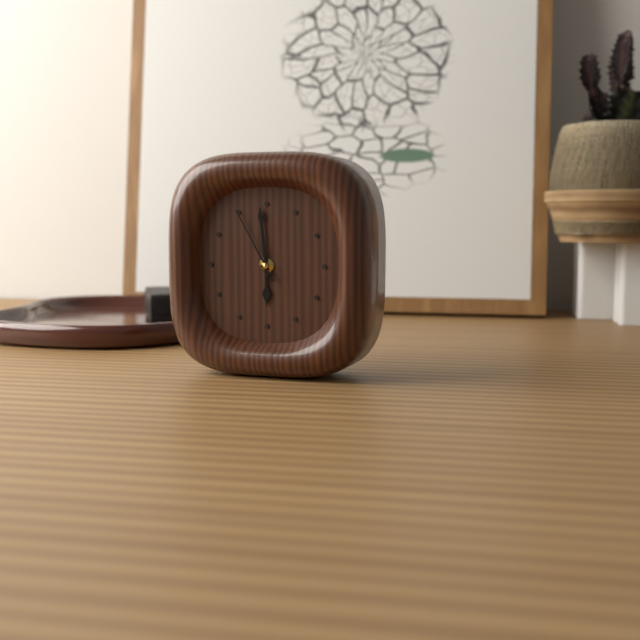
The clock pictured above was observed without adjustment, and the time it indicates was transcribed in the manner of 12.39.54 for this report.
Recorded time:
5.59.55
